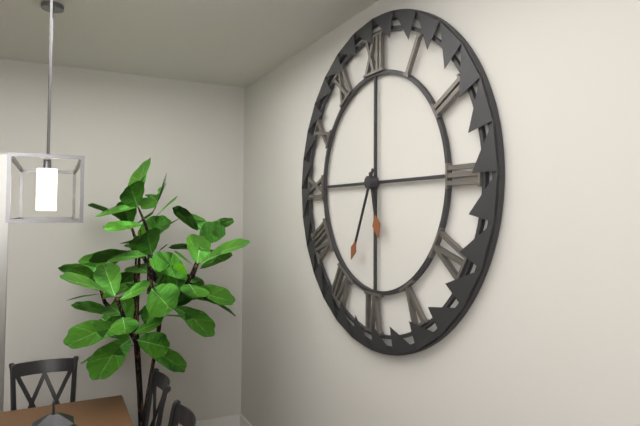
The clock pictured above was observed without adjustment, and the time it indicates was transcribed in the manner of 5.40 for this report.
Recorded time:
5.34
